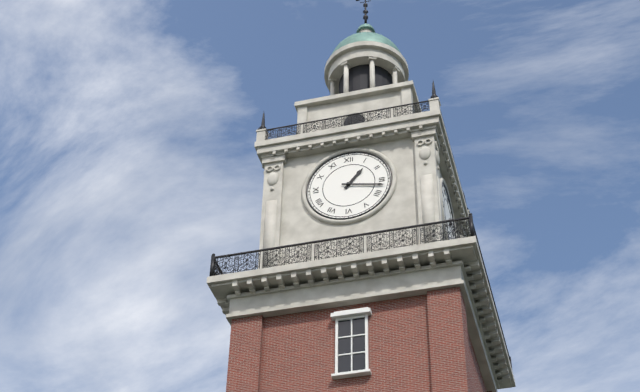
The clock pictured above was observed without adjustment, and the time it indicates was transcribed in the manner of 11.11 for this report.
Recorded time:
1.17
